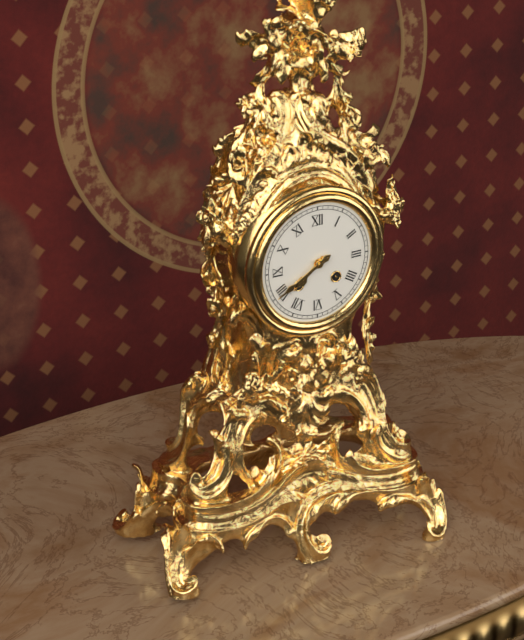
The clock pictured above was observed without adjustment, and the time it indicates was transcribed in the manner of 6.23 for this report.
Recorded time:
7.40
